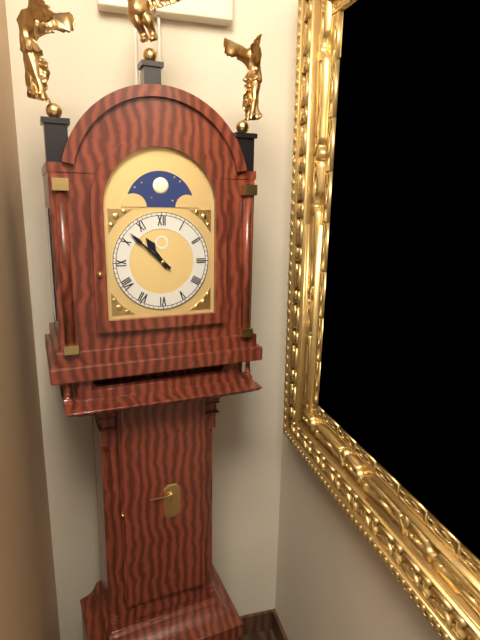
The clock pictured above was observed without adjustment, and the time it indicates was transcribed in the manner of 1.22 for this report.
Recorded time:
10.52
